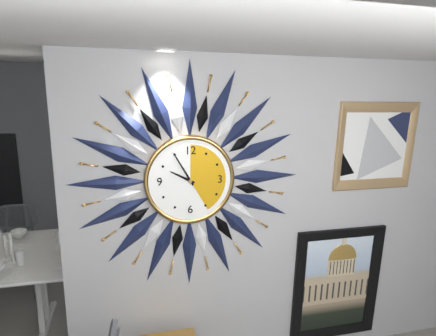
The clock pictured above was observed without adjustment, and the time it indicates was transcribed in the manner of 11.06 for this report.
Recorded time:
9.55
